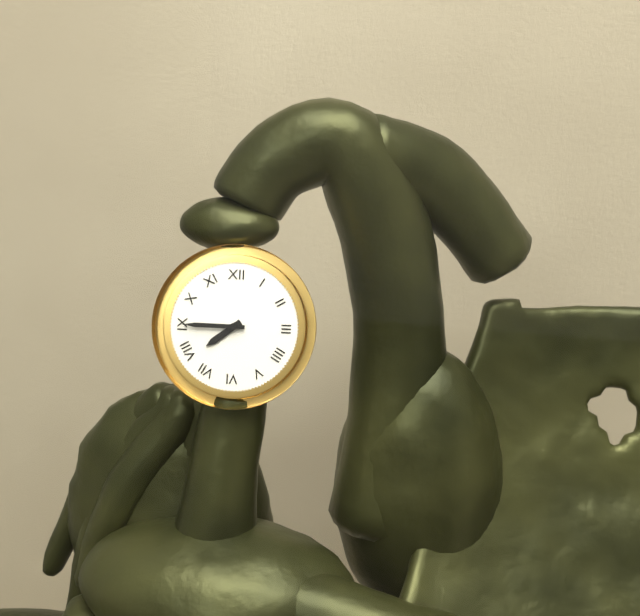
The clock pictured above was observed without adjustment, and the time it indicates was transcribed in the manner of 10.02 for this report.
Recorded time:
7.45
